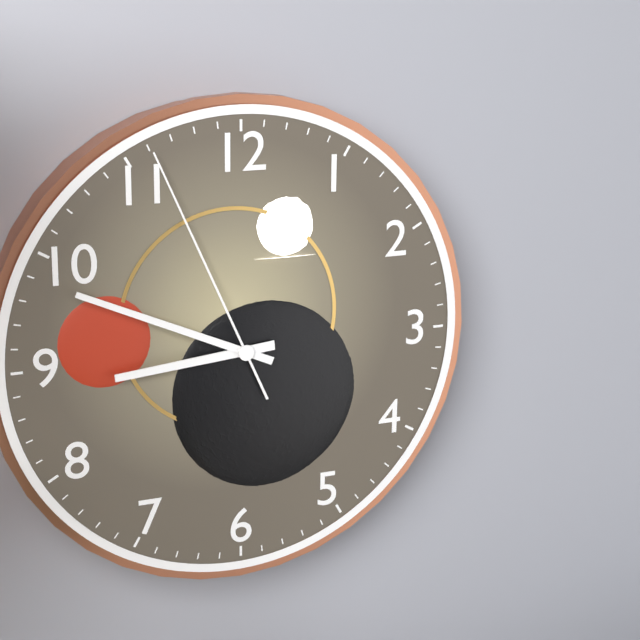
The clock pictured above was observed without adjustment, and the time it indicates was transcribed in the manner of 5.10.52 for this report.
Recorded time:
8.49.56
